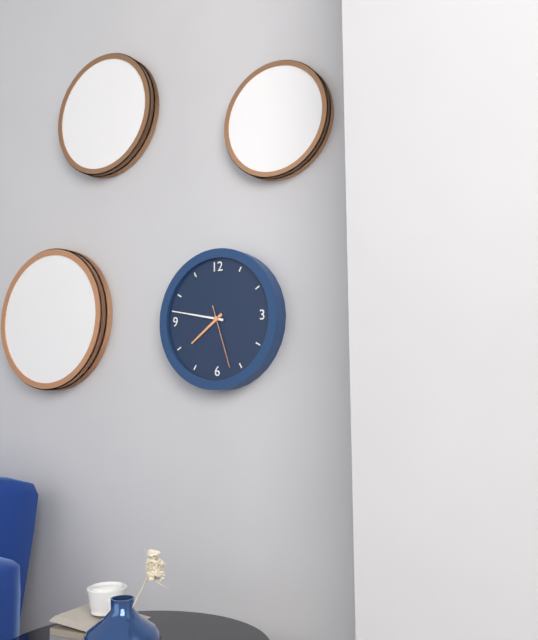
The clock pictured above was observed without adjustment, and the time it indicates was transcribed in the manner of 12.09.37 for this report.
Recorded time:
7.47.27
